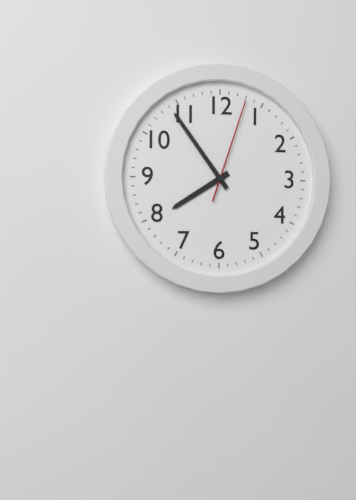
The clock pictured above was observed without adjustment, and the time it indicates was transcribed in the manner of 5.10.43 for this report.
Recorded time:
7.54.03
